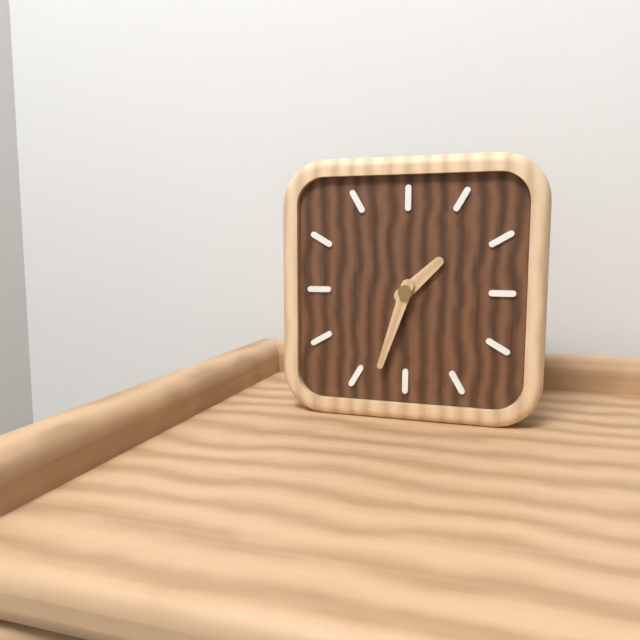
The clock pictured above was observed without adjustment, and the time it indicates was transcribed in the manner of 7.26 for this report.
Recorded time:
1.33
